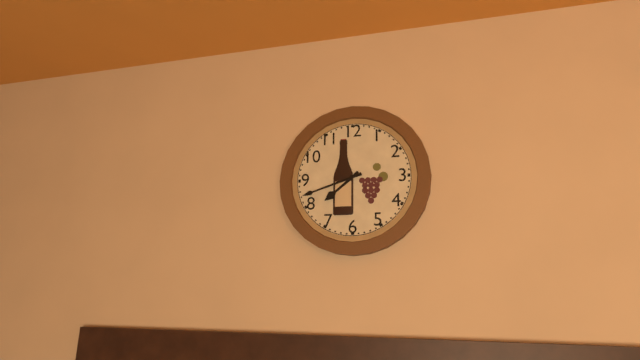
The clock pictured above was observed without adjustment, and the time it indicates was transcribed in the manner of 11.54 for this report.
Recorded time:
7.42
